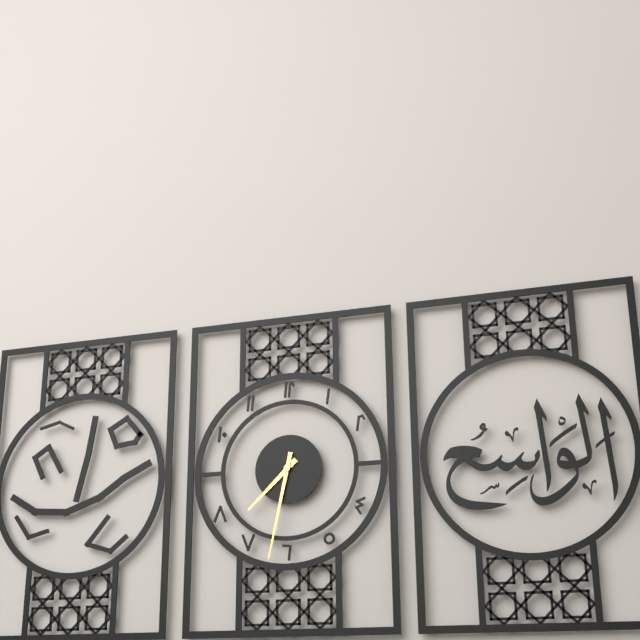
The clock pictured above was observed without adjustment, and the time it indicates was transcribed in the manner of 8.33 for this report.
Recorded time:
7.32
